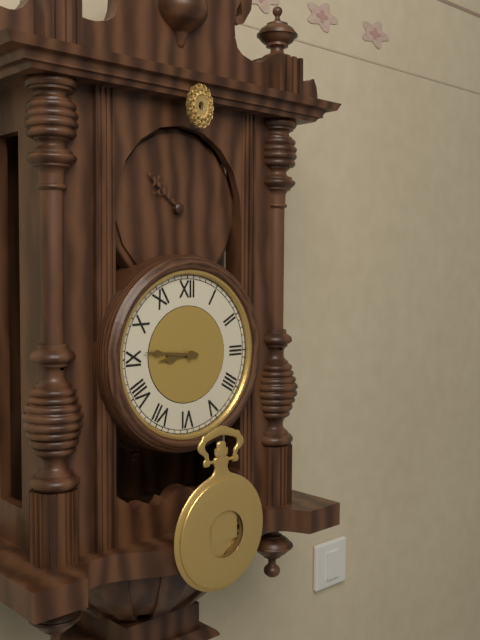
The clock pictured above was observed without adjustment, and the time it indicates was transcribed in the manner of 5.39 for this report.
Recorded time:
8.46
